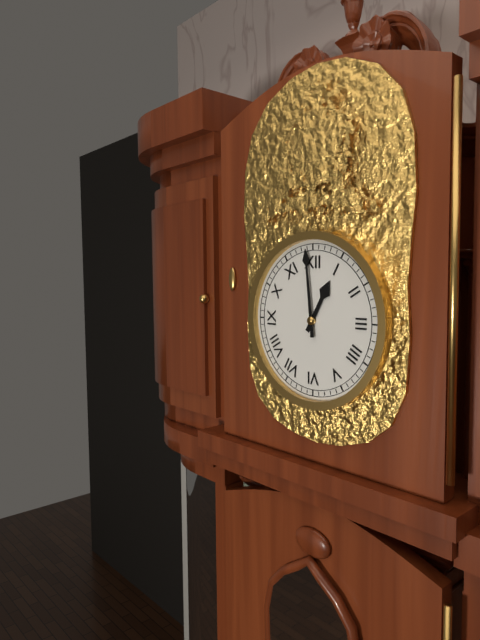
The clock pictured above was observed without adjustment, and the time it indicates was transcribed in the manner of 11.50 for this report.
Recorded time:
12.59
